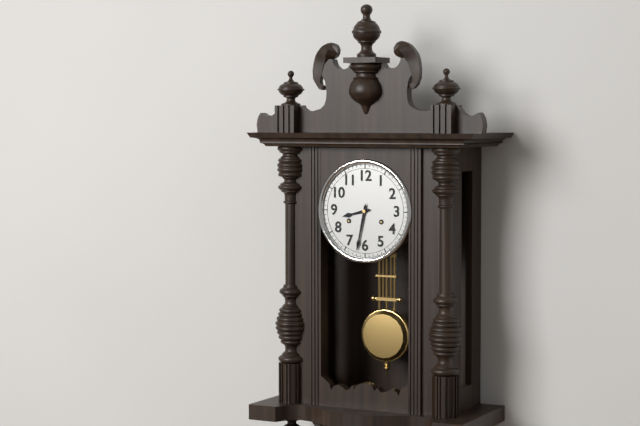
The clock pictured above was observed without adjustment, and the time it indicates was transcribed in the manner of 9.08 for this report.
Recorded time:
8.32
